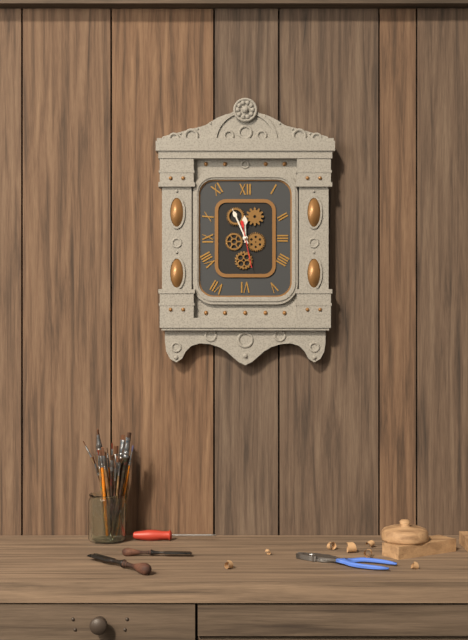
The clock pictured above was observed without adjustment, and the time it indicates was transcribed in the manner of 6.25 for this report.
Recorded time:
11.56
